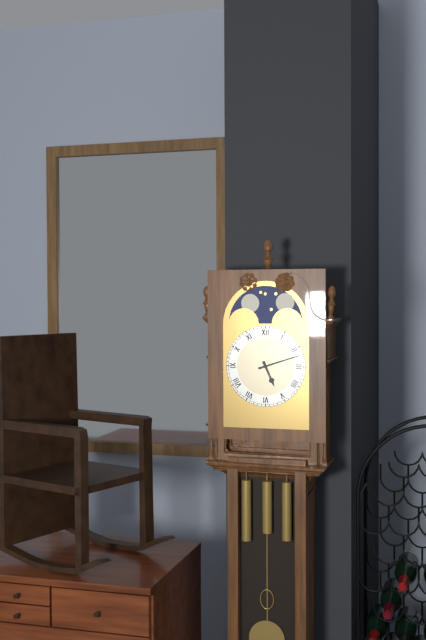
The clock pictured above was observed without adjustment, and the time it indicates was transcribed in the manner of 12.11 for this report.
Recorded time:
5.12
